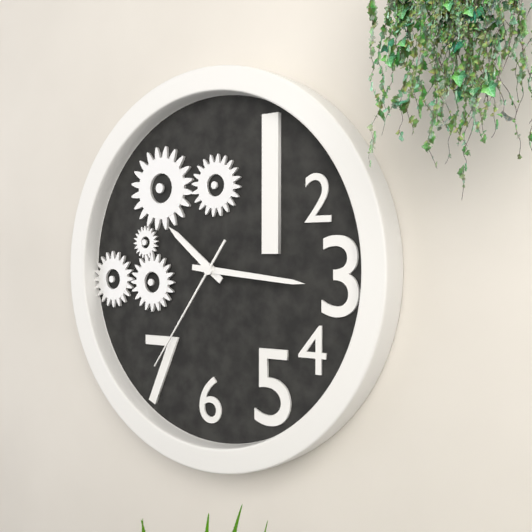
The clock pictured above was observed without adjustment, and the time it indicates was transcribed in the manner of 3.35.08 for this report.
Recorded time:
10.16.36
